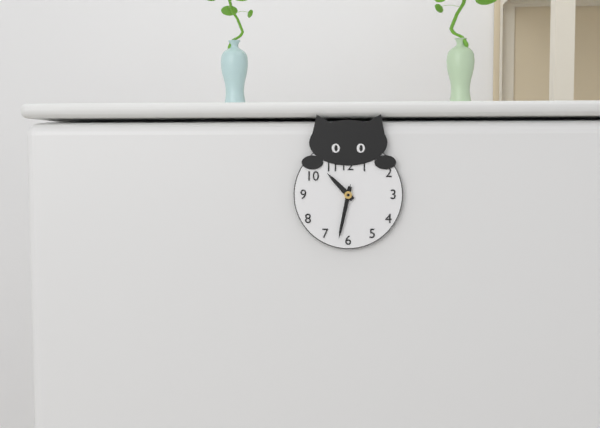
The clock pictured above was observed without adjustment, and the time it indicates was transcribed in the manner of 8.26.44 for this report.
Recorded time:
10.32.32
